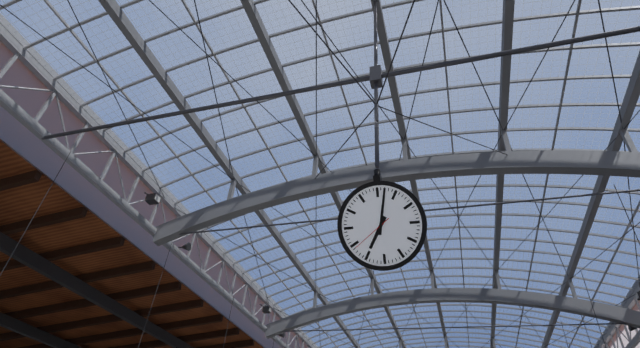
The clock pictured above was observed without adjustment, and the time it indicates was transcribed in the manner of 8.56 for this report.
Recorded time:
7.02
